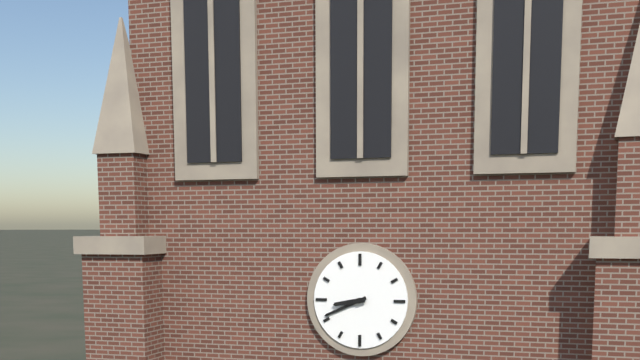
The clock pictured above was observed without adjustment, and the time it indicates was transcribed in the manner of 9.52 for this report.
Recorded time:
8.41
